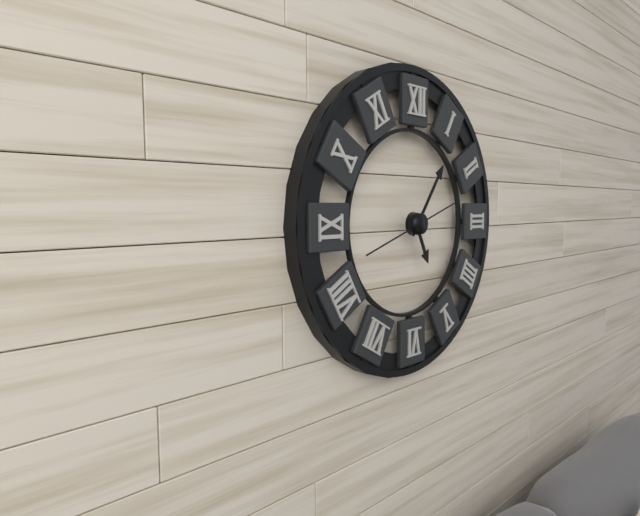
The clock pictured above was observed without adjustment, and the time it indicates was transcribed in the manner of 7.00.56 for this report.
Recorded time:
5.06.42
